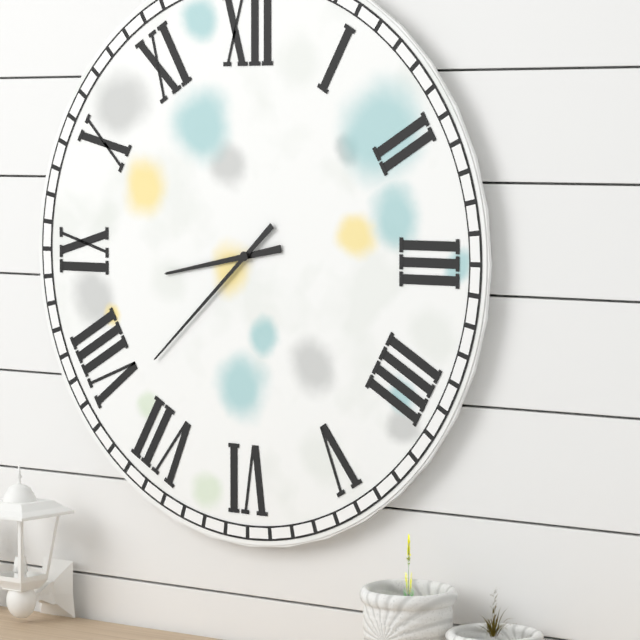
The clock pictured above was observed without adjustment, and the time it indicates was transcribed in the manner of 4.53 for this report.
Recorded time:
8.38
